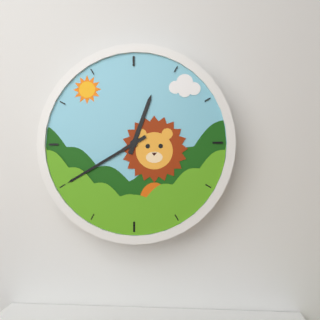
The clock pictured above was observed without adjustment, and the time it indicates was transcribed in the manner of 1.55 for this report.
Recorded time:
12.40
